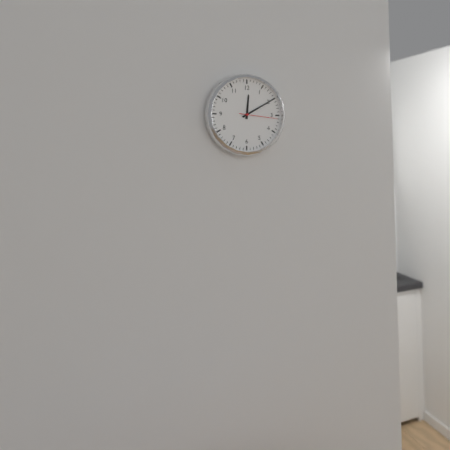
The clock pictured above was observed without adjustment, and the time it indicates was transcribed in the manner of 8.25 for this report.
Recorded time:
12.10
